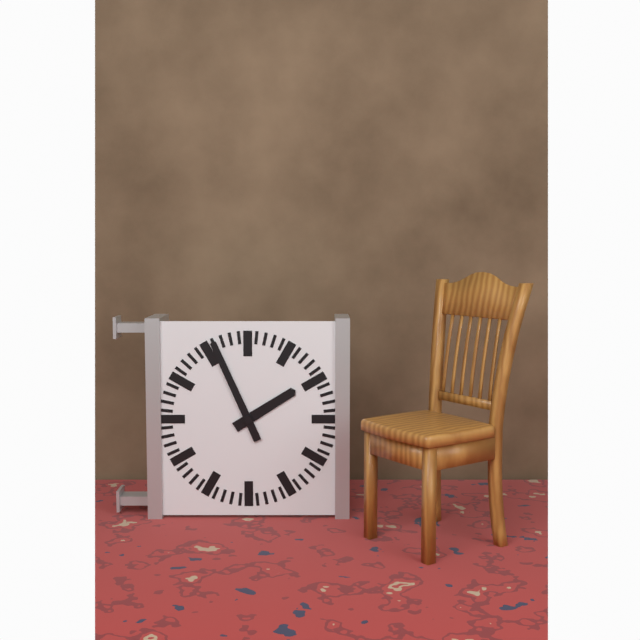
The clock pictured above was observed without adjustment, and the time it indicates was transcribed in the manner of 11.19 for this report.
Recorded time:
1.56
